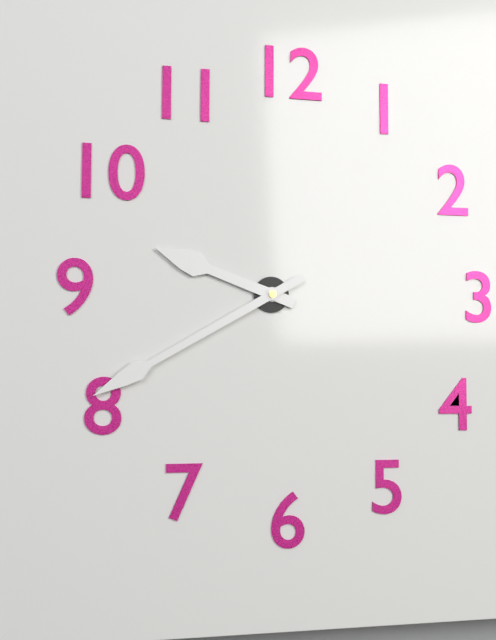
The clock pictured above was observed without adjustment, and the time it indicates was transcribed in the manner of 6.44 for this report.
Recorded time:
9.40
